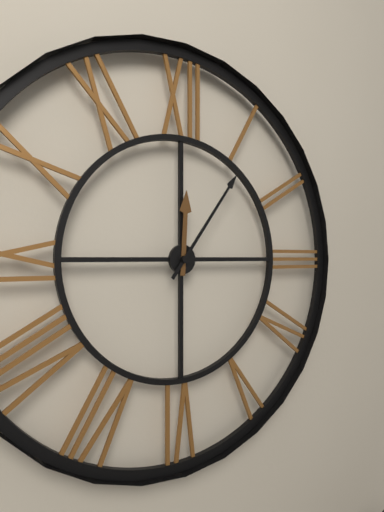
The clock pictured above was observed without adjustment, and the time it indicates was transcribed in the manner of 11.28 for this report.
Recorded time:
12.06
